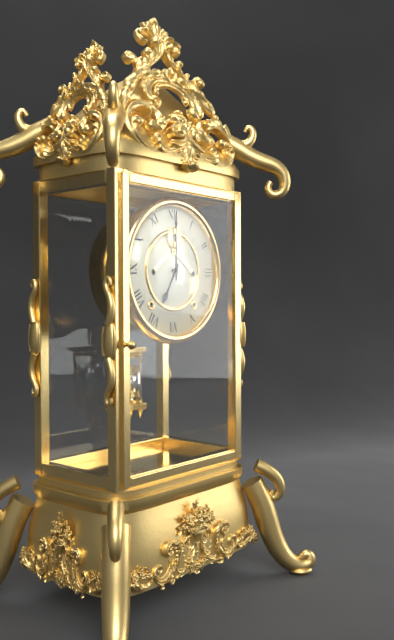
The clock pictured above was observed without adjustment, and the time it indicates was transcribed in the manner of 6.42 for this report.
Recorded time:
7.00
